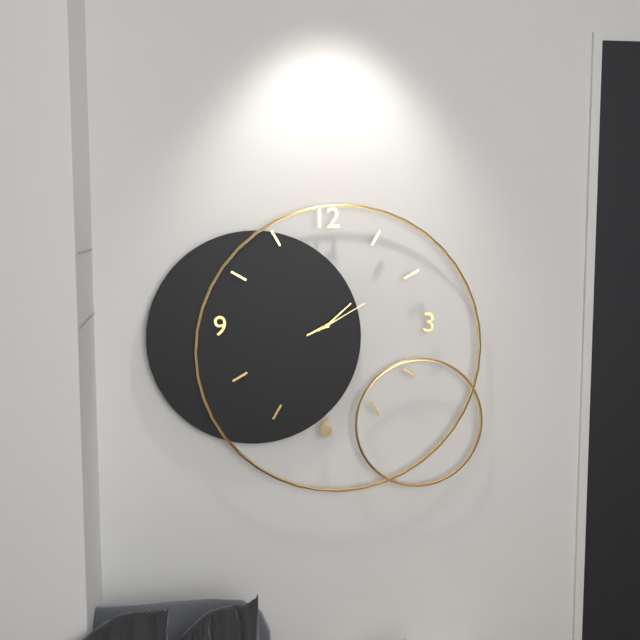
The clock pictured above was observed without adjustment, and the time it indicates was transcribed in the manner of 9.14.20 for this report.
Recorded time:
8.08.10
